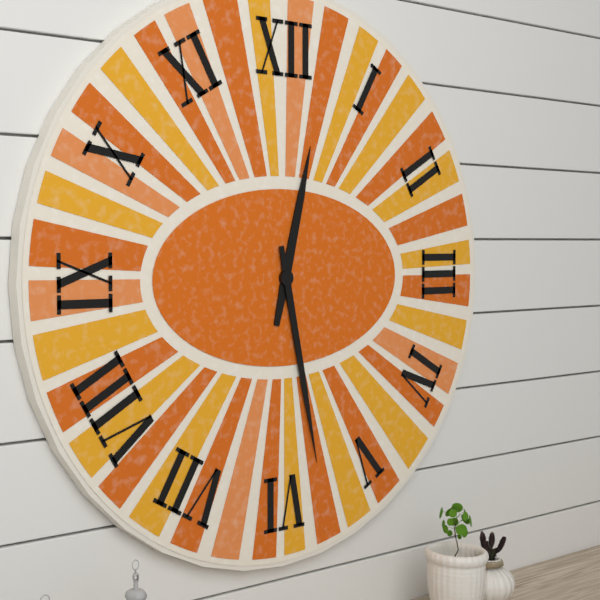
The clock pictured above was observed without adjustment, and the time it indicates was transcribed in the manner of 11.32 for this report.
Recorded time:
12.28
